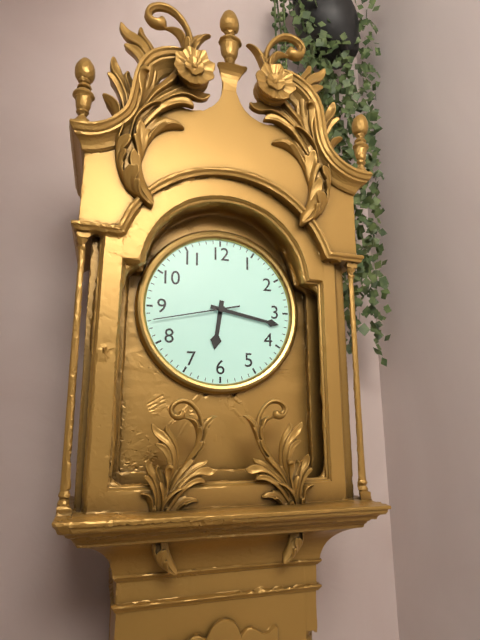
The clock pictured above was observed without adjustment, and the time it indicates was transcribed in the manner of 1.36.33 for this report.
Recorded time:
6.17.43
